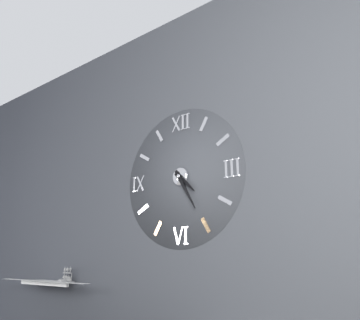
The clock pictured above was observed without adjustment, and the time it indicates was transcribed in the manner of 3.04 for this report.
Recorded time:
4.25
